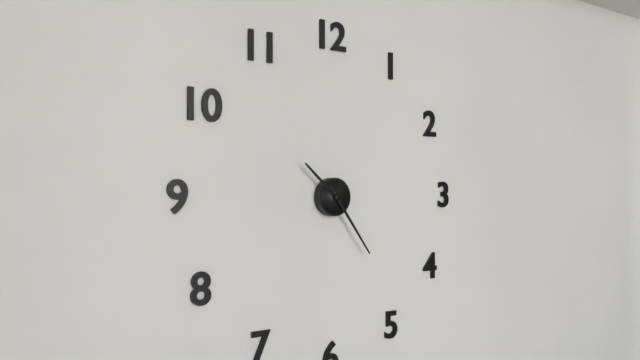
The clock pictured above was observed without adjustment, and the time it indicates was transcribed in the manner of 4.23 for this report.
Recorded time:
10.24
